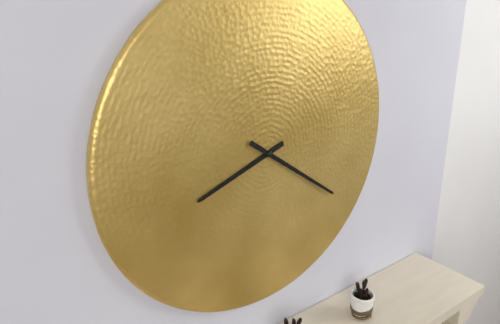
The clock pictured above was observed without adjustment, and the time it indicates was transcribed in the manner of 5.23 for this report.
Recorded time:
8.21
